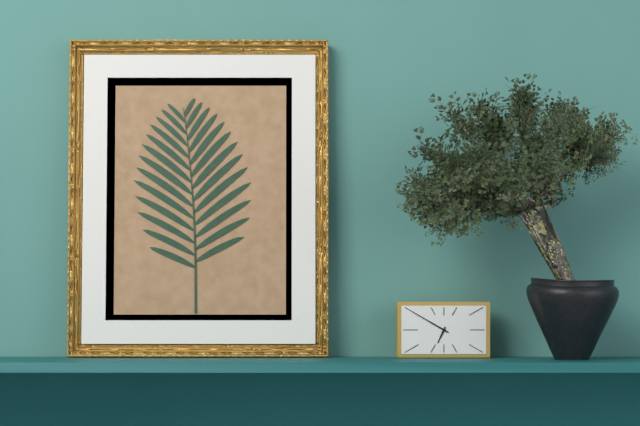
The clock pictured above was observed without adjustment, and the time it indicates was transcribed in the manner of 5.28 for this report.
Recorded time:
6.50
